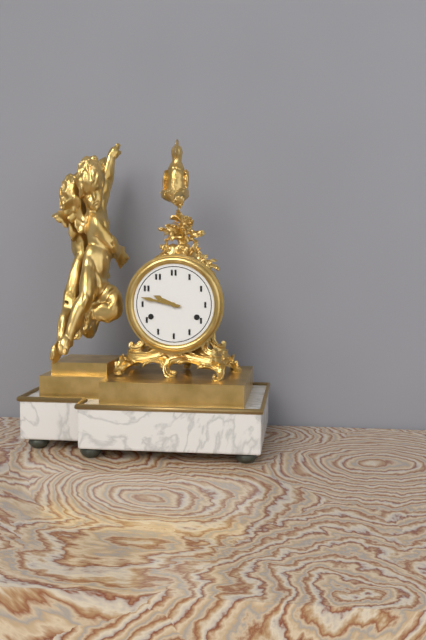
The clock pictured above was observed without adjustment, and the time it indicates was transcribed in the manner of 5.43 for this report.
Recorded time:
9.47
